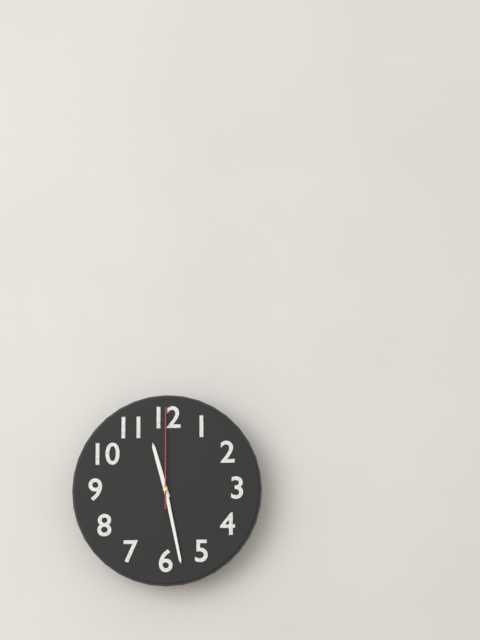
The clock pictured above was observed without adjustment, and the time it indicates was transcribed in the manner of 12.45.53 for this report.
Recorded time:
11.28.00
